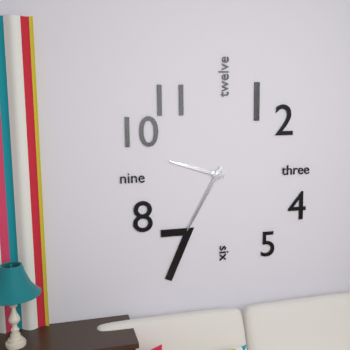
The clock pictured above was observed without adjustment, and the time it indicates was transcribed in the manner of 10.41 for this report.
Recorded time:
9.35
